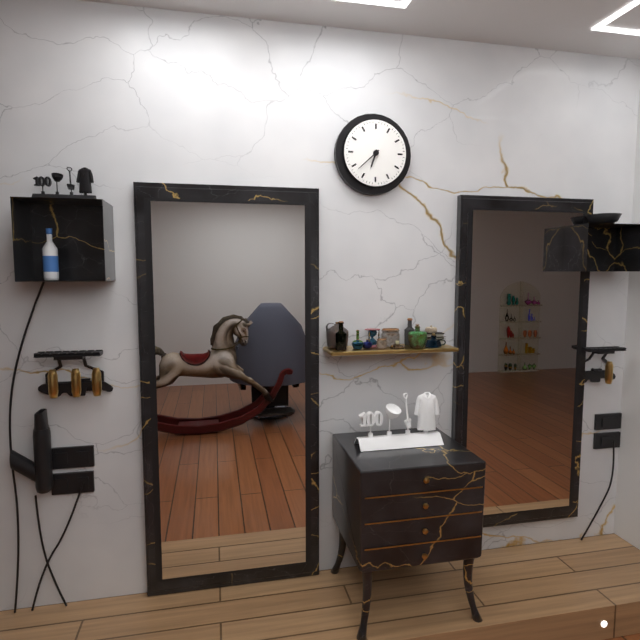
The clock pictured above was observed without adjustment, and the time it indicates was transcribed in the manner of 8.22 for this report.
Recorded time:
6.38
